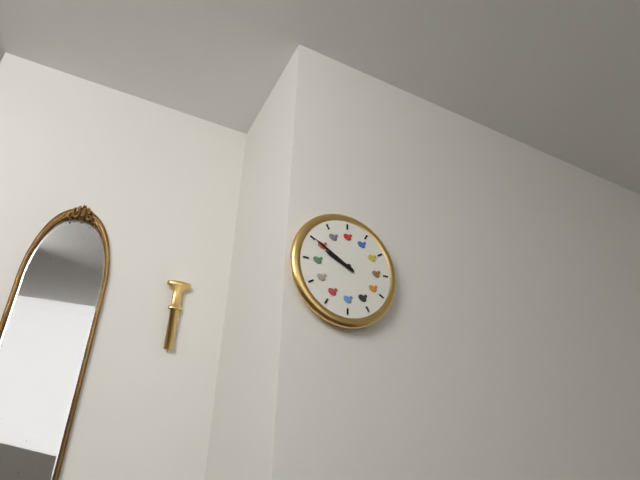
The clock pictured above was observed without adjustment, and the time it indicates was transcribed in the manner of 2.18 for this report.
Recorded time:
9.50
